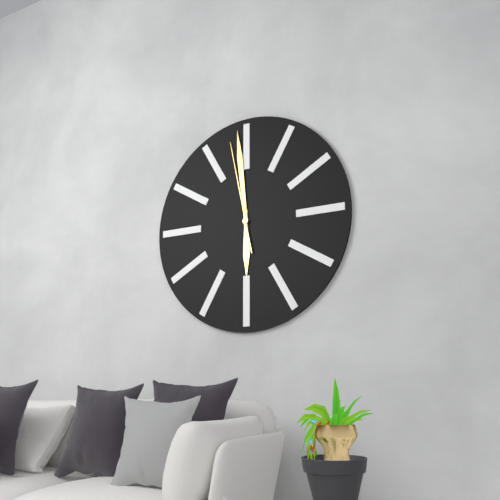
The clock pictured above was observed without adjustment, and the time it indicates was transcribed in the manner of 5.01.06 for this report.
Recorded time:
5.59.58
